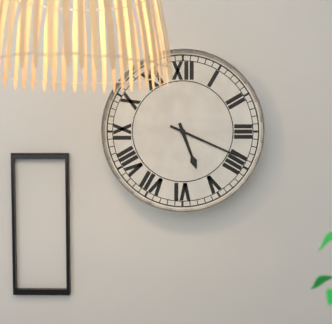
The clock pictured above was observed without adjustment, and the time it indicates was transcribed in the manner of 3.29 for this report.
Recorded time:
5.19
